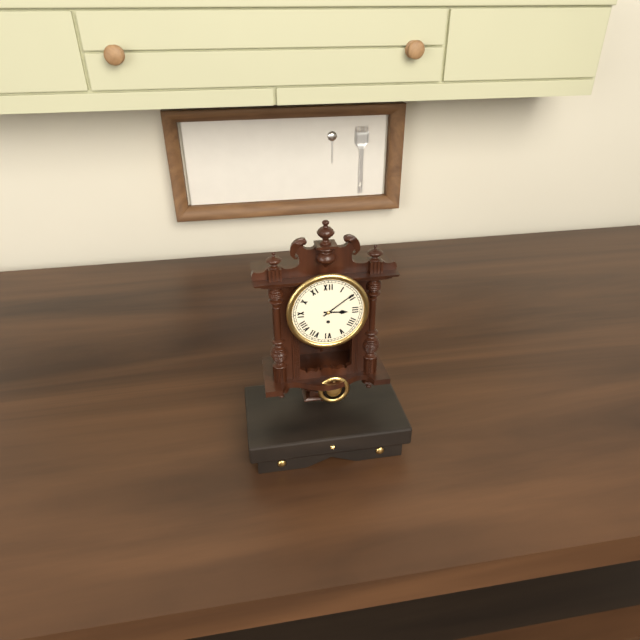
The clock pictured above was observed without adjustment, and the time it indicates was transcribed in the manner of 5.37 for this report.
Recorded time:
3.09
